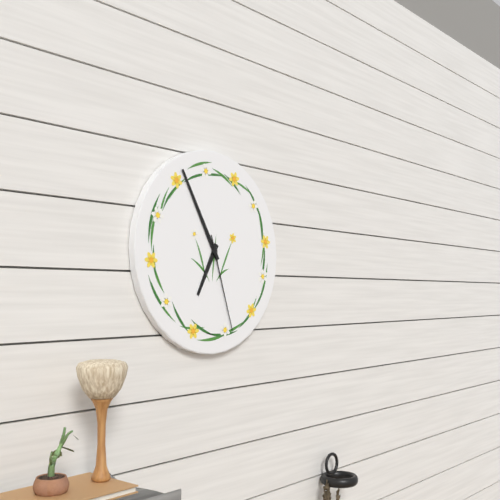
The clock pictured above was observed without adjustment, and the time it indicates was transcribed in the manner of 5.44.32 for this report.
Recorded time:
6.55.27
